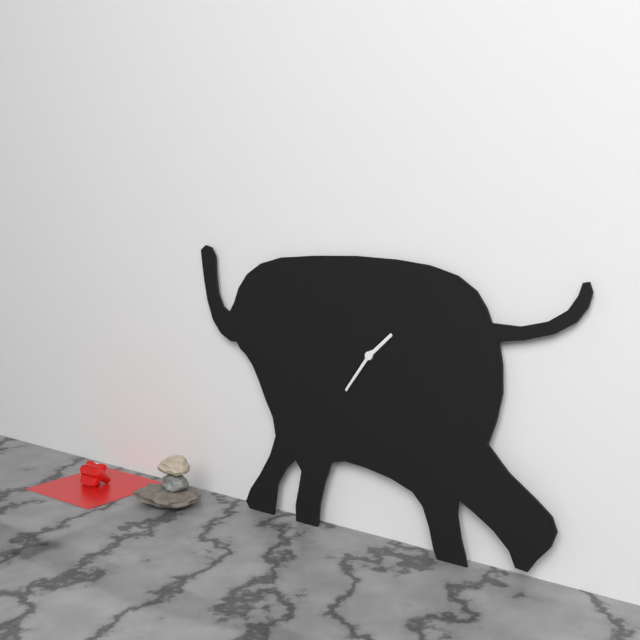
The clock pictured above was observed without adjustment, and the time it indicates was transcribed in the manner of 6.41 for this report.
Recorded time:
1.36
